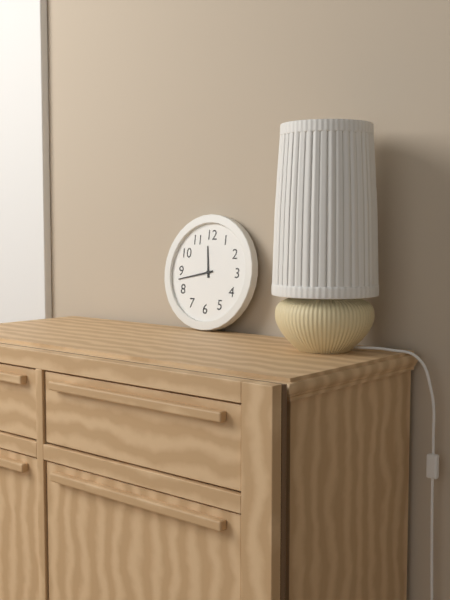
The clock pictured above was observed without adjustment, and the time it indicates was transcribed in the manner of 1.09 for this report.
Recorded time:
11.43
